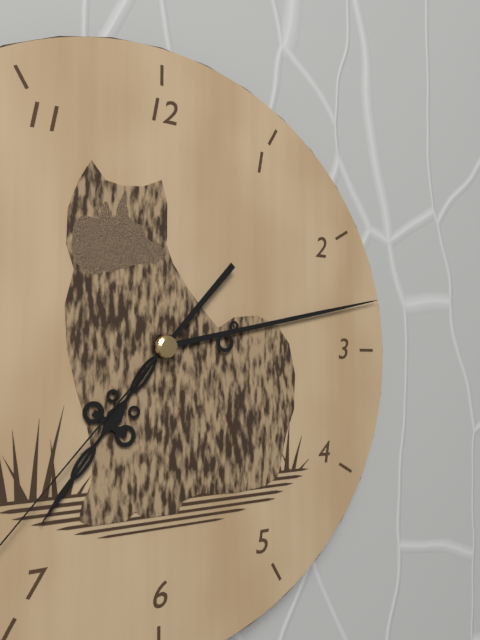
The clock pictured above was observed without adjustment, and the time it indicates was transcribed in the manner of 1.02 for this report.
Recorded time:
7.13
